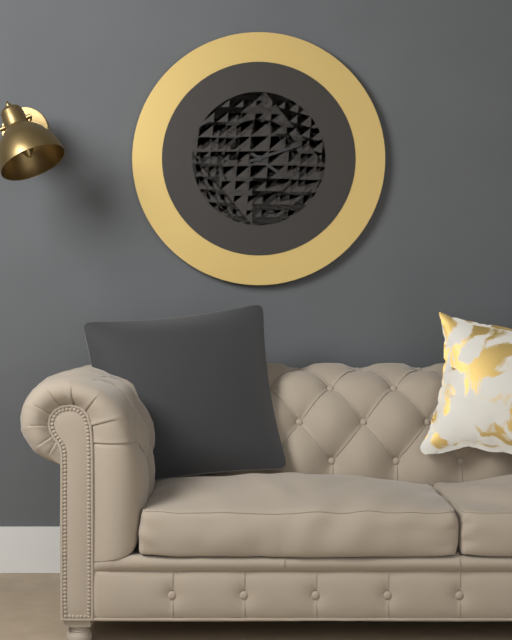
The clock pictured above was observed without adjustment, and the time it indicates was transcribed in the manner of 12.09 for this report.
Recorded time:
4.12
